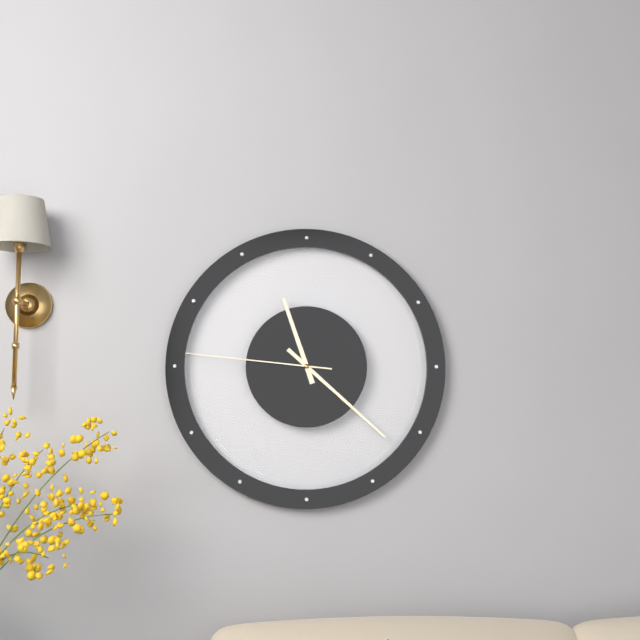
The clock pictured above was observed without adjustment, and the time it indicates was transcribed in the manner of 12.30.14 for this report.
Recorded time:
11.22.46
